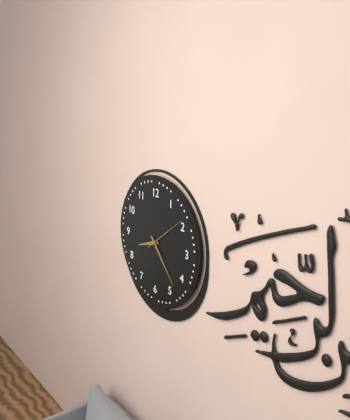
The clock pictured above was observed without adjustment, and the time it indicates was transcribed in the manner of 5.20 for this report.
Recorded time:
8.23
